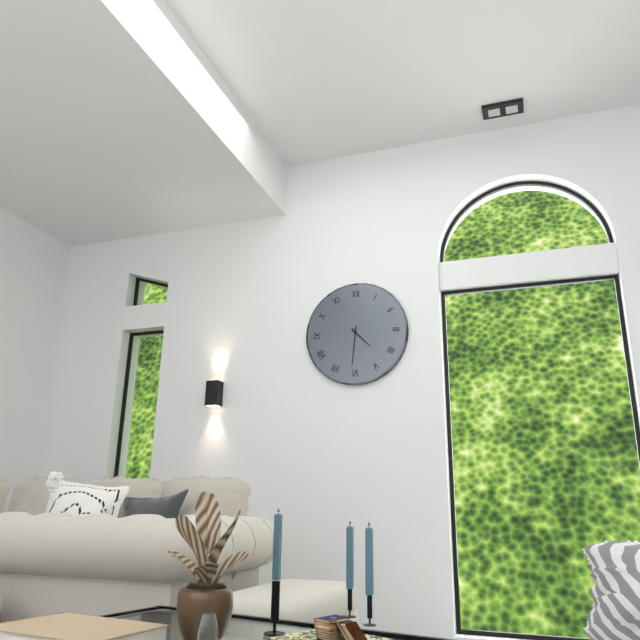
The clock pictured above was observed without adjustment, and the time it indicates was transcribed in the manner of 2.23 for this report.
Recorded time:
4.31
